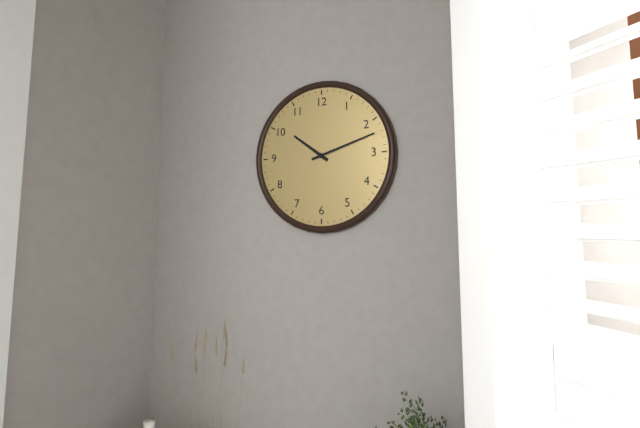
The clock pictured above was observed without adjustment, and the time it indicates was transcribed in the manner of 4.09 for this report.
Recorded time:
10.12
